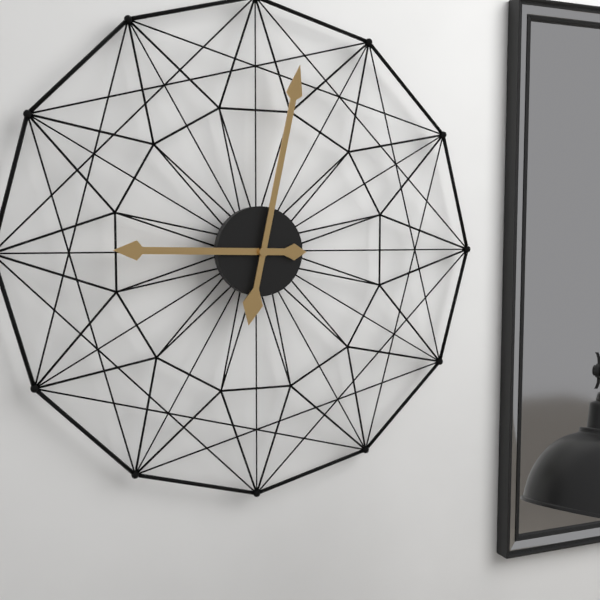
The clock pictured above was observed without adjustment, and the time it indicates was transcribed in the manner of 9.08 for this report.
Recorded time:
9.02
